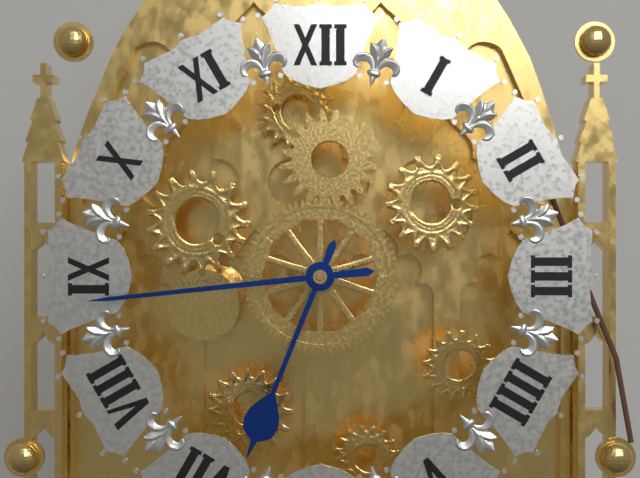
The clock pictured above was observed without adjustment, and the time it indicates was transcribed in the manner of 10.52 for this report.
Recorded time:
6.44
